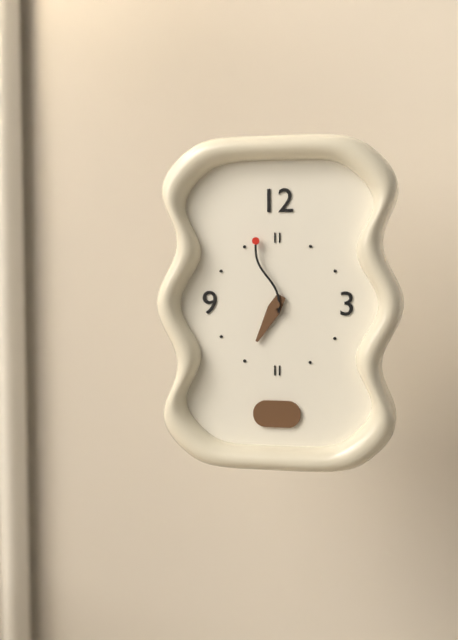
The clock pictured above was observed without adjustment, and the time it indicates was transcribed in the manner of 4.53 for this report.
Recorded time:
6.57
